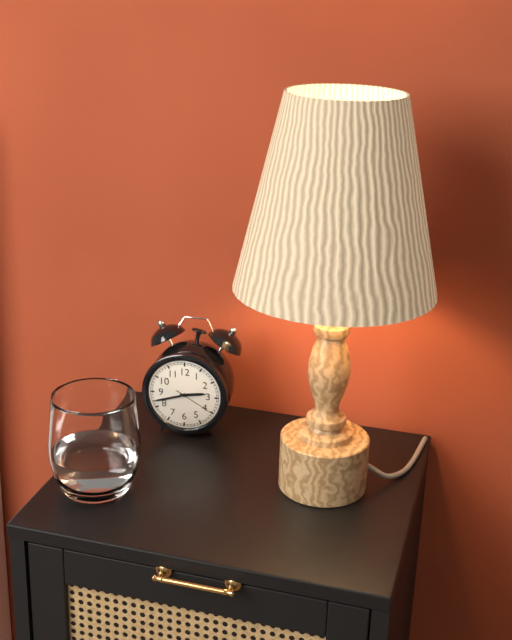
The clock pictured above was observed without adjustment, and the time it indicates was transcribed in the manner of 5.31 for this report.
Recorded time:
2.42
